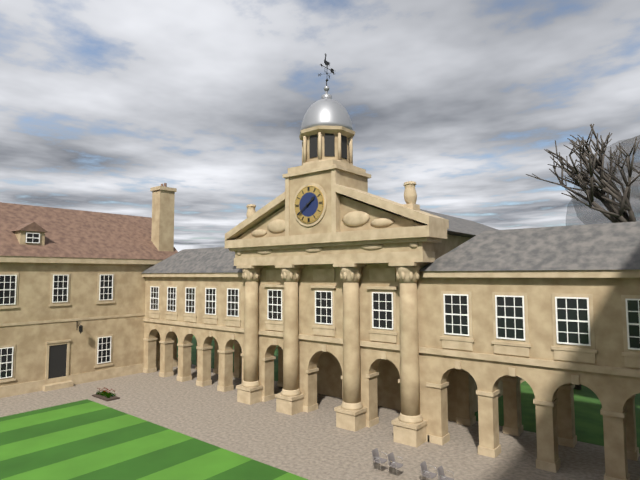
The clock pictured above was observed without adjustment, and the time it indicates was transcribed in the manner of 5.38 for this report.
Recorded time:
1.39
